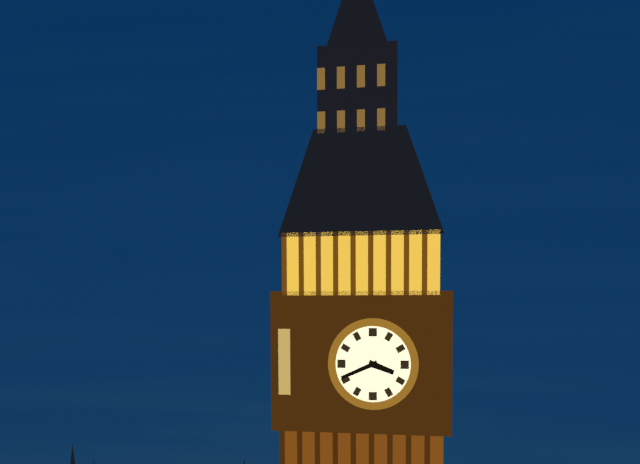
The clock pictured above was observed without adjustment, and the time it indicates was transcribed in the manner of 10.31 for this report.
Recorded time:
3.41
